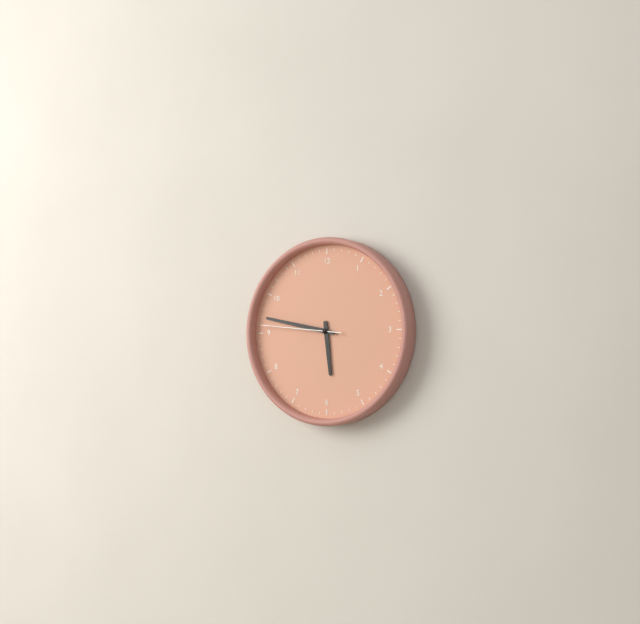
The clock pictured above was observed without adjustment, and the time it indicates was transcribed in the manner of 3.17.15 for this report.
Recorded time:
5.47.46
